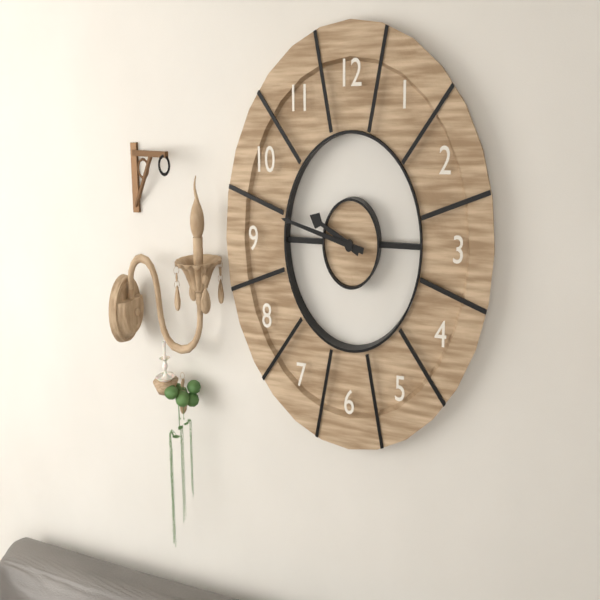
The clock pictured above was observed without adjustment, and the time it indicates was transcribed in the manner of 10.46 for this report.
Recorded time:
9.47
